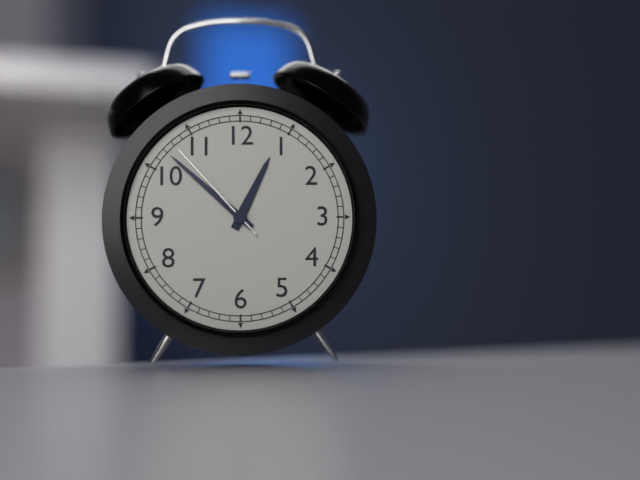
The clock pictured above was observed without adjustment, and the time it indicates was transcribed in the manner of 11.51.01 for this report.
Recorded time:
12.52.53
